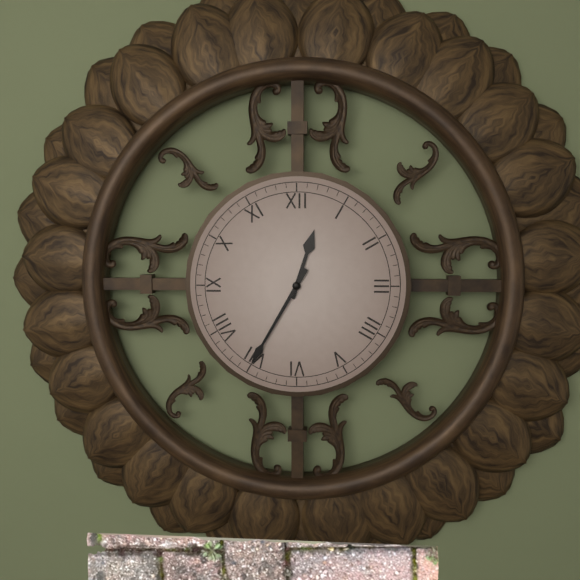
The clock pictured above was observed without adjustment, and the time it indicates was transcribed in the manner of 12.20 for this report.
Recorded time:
12.35
